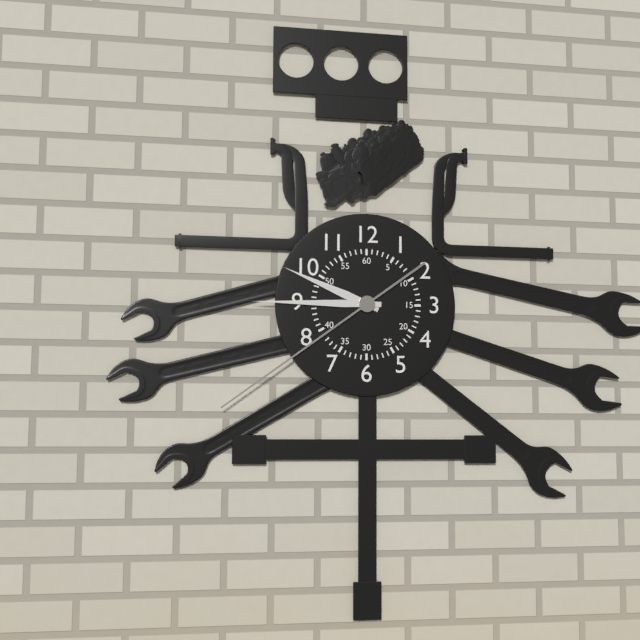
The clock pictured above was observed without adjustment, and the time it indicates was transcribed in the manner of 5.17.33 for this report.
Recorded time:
9.45.39
